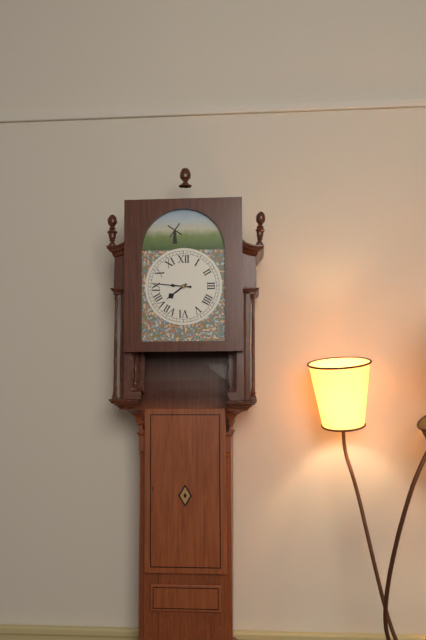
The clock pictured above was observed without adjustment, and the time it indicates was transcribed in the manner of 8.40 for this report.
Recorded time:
7.46
